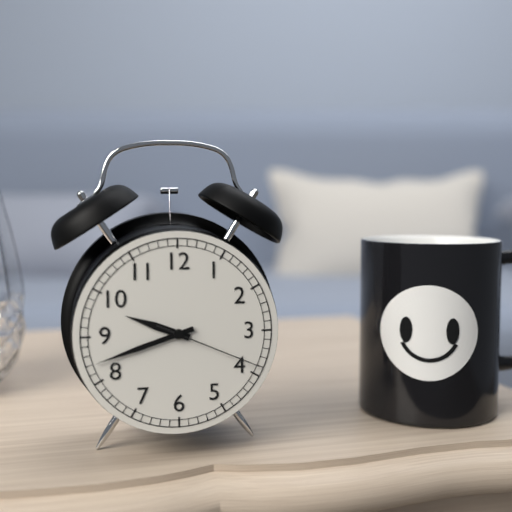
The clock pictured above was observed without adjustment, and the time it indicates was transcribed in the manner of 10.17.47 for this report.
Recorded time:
9.42.19
